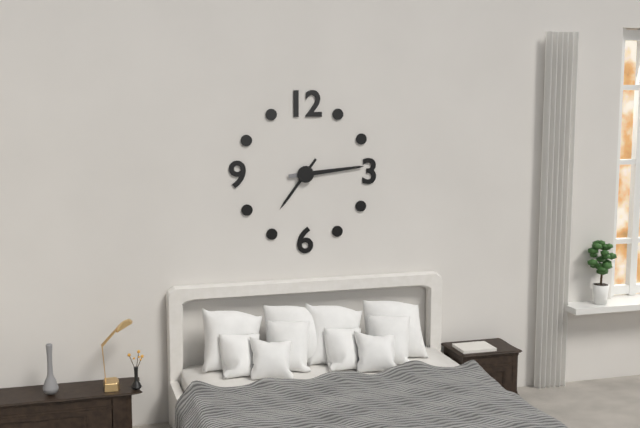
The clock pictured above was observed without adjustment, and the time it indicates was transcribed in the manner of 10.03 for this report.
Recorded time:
7.14
